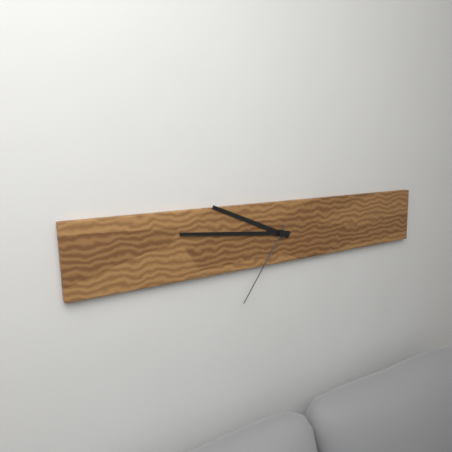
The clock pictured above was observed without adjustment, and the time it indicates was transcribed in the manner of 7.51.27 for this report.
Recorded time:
9.46.36
